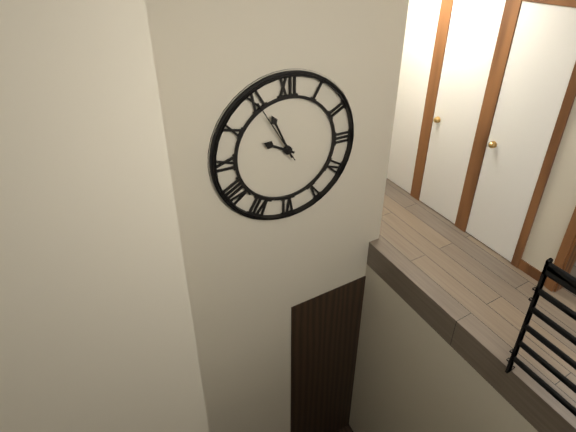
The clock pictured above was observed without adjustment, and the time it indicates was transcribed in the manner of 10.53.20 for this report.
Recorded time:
9.56.55
